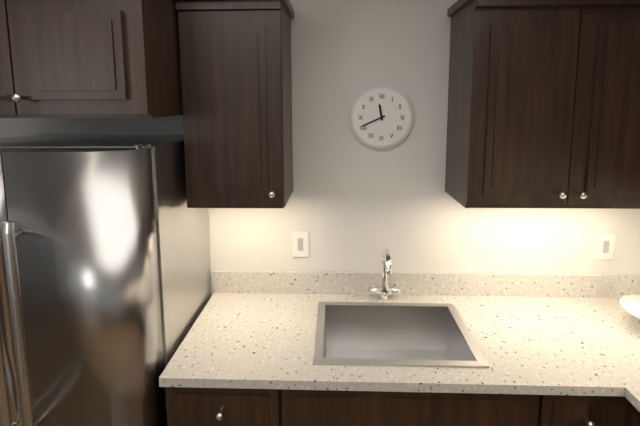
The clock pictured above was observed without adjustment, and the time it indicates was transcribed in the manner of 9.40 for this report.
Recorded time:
11.41
